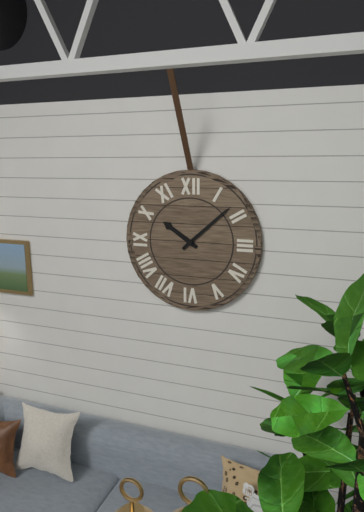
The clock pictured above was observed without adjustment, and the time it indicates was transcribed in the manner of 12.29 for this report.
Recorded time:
10.08
